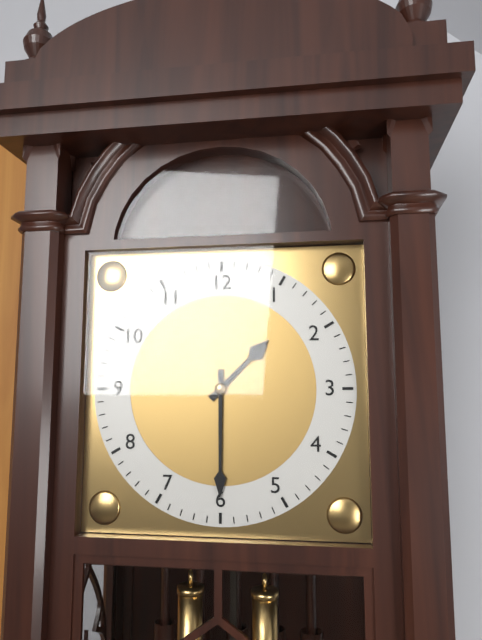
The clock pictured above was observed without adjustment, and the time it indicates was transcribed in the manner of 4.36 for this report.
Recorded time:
1.30
